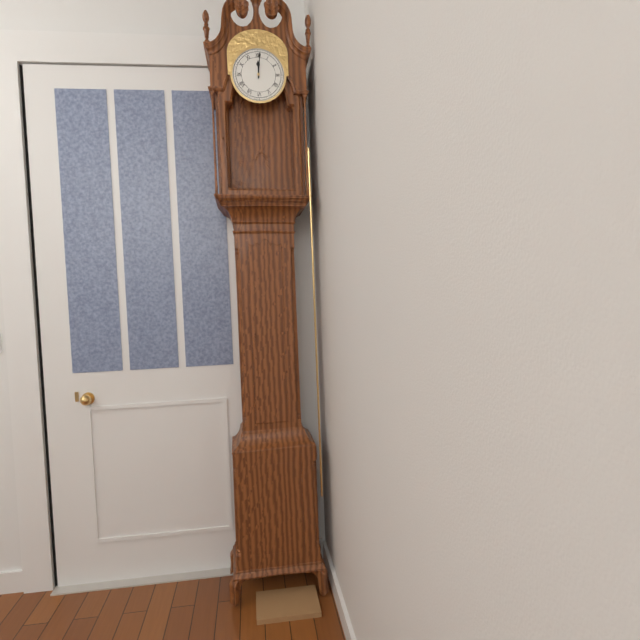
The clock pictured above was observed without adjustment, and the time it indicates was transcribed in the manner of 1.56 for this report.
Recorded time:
12.01
